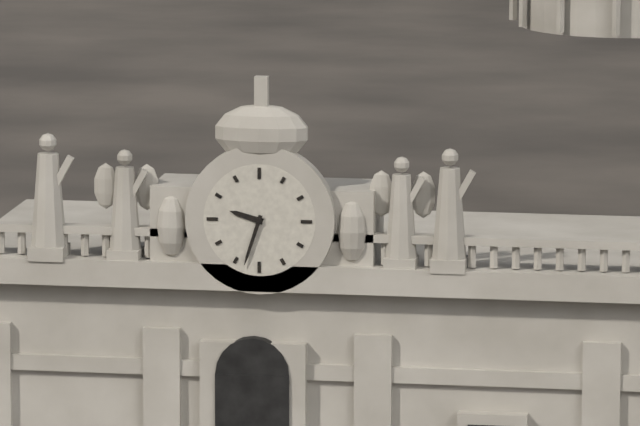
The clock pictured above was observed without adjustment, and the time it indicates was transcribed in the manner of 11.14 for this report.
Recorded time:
9.33
